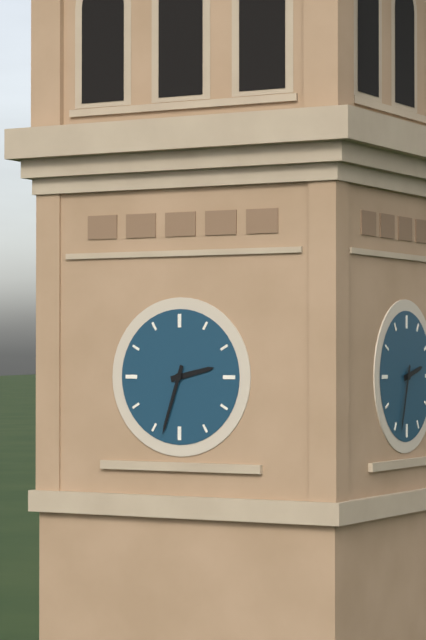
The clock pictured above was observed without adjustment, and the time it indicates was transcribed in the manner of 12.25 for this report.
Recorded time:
2.33
